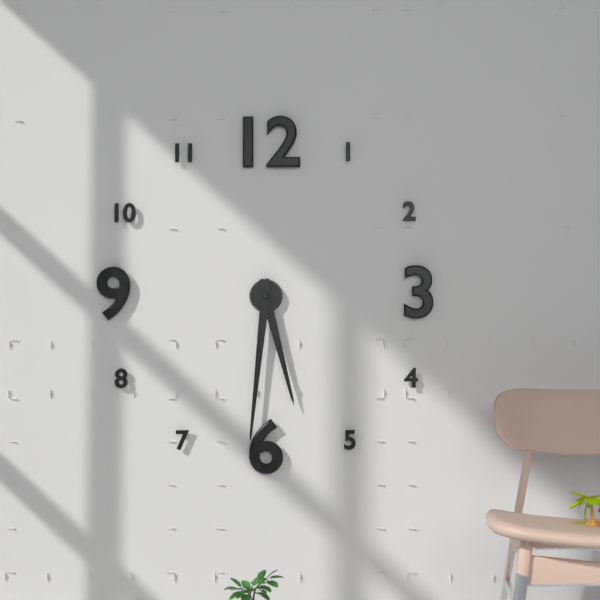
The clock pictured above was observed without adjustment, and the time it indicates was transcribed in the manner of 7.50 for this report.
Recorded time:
5.31
